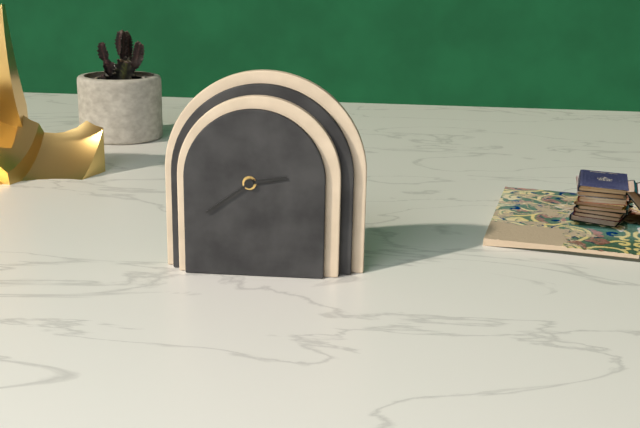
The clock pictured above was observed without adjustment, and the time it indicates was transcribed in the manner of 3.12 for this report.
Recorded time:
2.39
